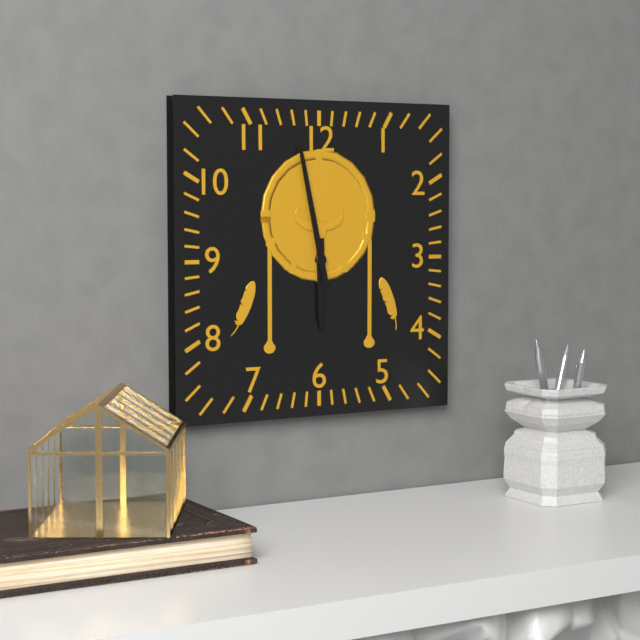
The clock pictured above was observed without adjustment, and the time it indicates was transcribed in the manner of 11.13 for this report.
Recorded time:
5.58
